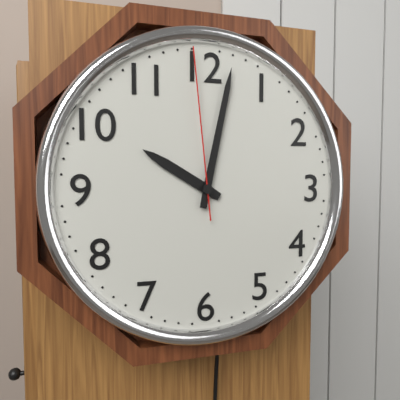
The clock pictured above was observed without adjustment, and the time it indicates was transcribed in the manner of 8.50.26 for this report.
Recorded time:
10.02.59
